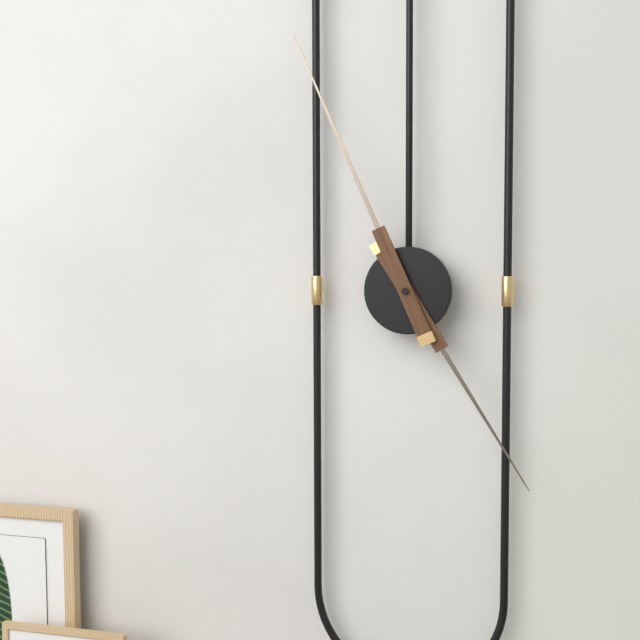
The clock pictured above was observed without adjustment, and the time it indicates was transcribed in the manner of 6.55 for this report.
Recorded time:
4.56
